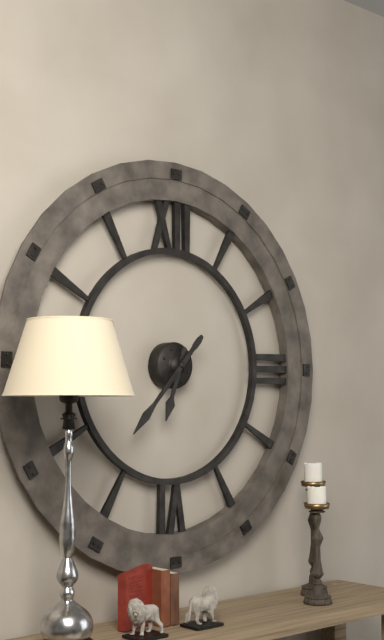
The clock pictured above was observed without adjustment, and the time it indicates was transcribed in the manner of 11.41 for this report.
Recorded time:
6.37
